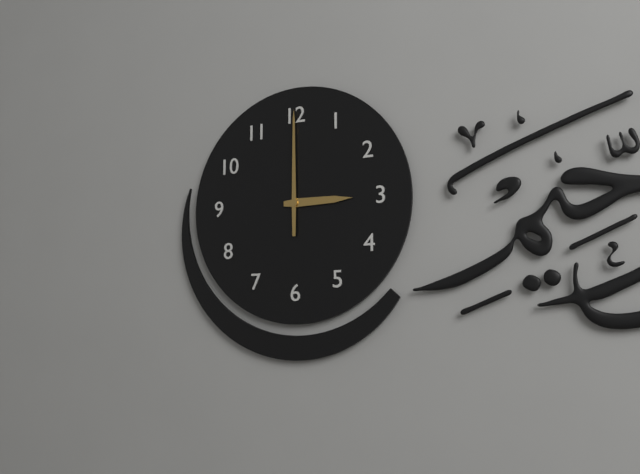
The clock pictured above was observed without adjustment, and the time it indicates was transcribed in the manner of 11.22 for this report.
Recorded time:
3.00
